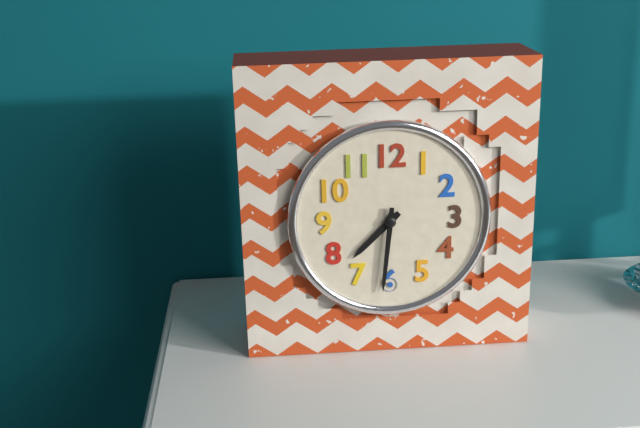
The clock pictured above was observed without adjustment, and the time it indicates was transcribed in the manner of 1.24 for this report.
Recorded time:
7.31
